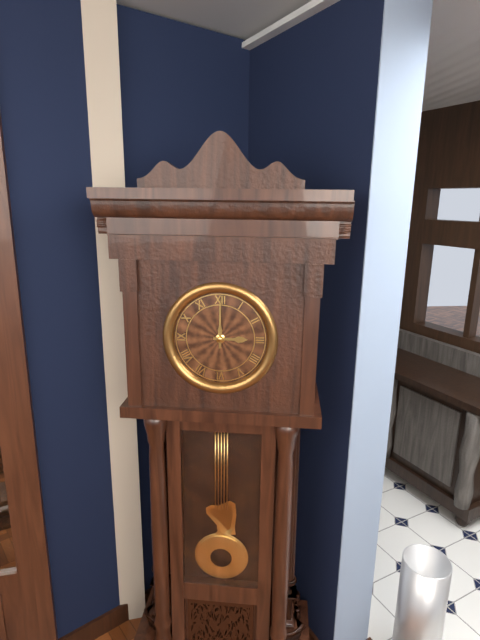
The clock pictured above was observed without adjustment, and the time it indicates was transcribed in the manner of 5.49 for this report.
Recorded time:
3.00
